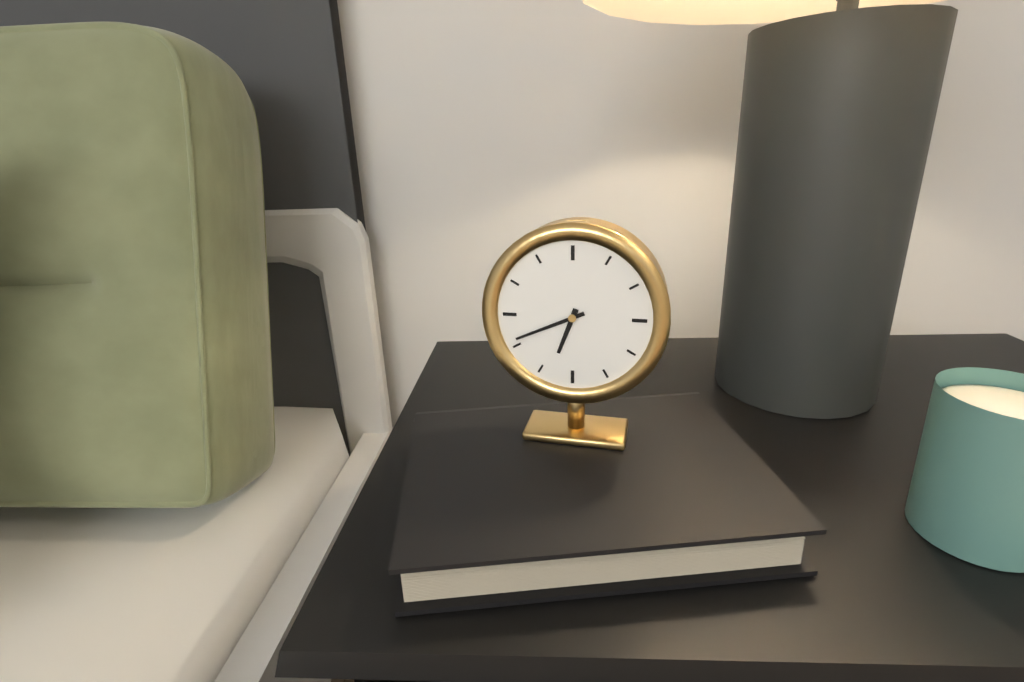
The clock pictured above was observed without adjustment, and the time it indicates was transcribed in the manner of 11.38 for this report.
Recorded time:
6.41
